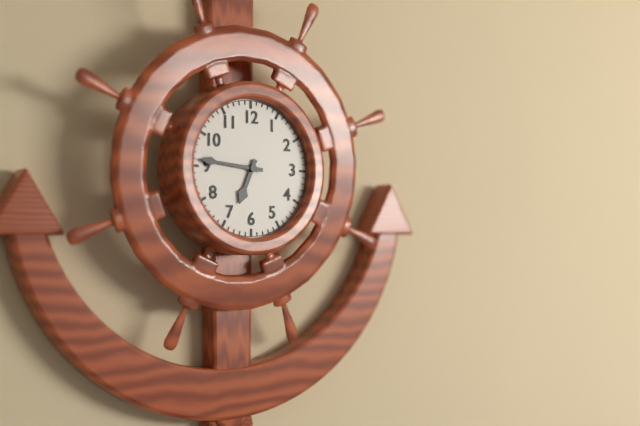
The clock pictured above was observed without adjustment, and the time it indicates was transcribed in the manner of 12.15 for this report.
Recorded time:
6.46
